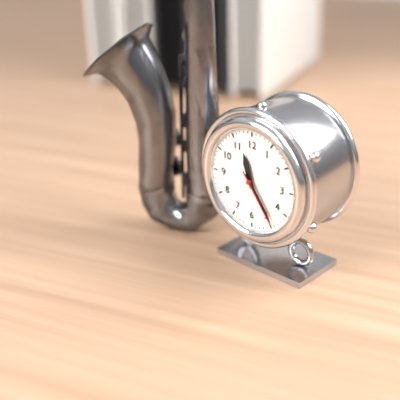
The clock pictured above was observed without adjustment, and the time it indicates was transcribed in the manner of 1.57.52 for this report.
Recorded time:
11.24.24
